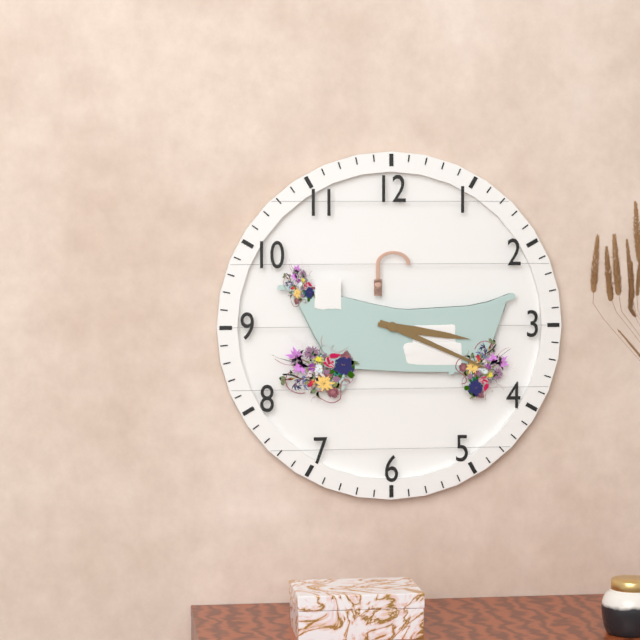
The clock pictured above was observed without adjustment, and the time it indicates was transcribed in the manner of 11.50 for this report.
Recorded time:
3.19
